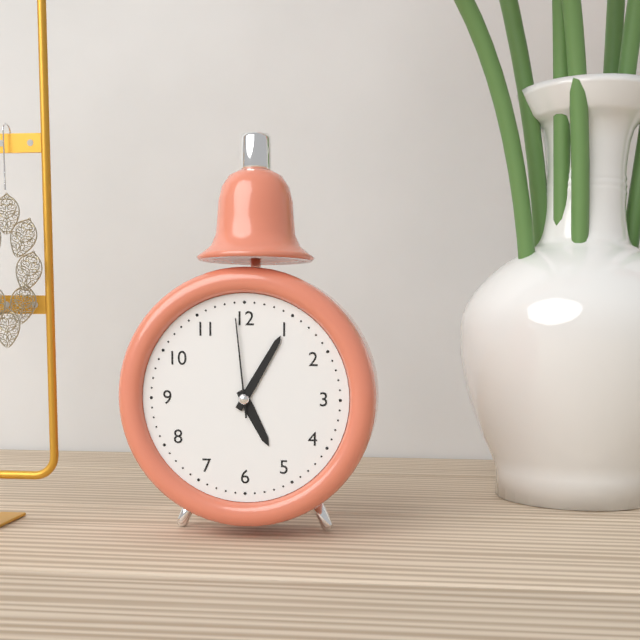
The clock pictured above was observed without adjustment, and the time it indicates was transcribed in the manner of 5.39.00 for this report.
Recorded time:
5.05.59
